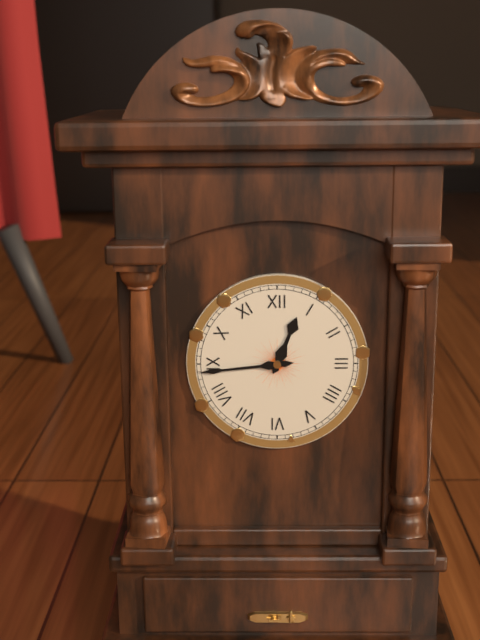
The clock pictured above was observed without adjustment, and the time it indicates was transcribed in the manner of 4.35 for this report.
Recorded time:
12.44
